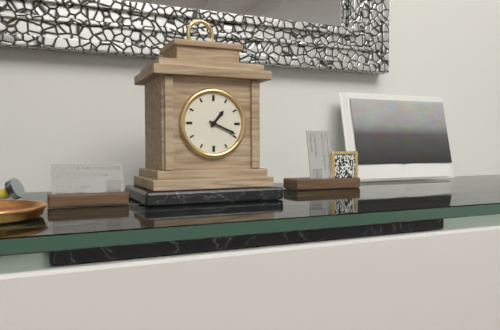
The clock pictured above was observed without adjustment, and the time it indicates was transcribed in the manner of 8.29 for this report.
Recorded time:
1.19
